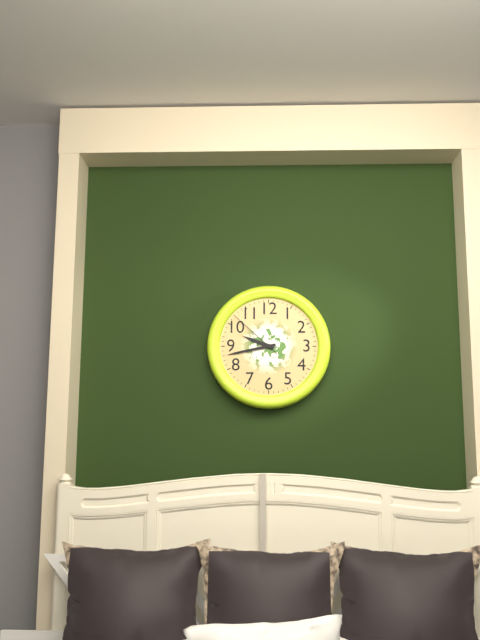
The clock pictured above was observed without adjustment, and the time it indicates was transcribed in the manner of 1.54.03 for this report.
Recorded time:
9.43.52
